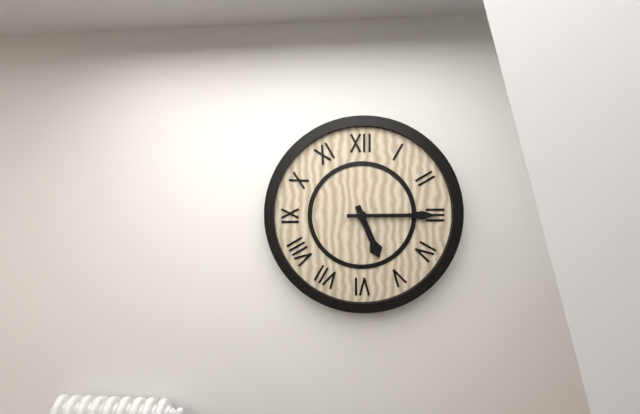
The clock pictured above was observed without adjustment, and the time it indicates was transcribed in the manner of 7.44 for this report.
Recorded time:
5.15
